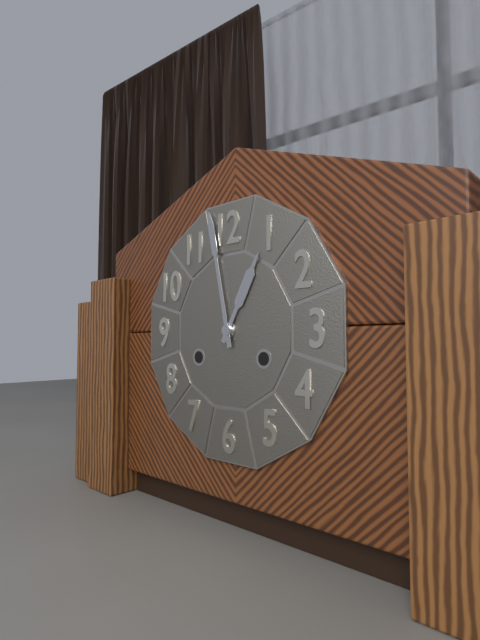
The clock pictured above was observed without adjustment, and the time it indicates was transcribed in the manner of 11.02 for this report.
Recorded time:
12.58
